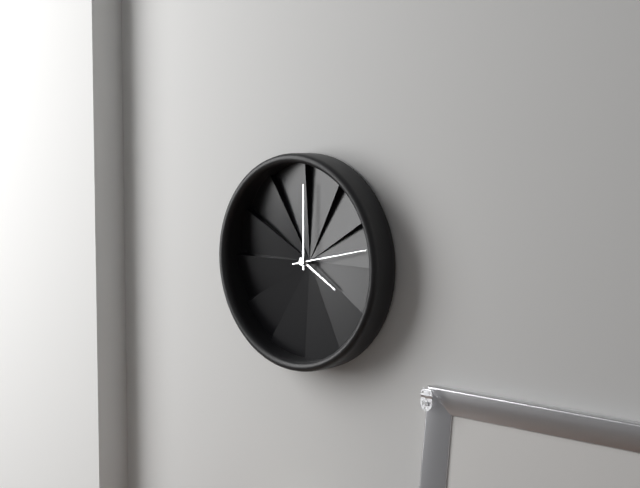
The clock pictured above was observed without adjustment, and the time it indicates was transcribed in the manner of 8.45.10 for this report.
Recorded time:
4.00.13
